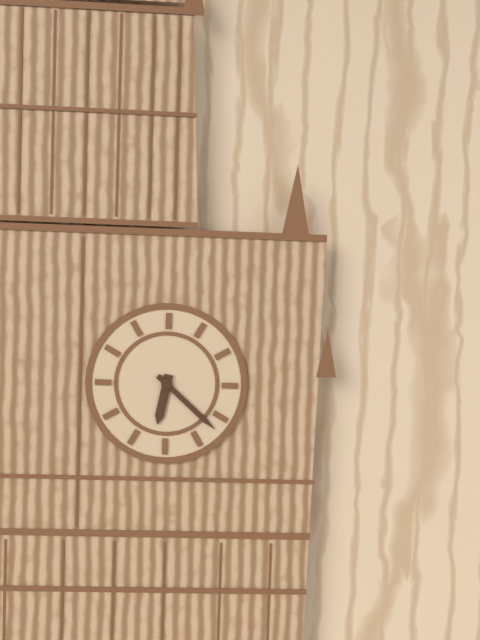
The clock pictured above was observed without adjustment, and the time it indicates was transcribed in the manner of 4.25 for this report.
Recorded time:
6.22
